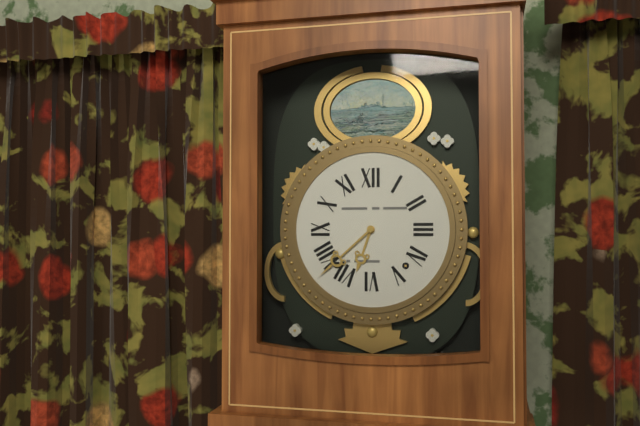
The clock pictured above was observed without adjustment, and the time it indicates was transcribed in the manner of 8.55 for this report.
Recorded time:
6.38
